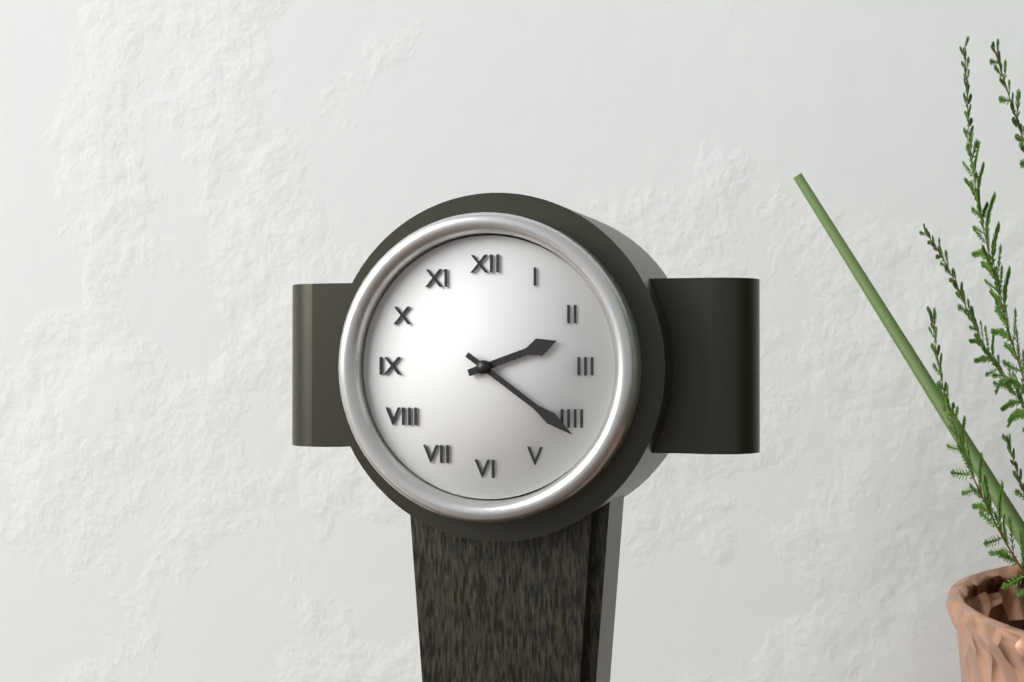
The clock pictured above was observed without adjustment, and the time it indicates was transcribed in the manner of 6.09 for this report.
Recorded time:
2.21
